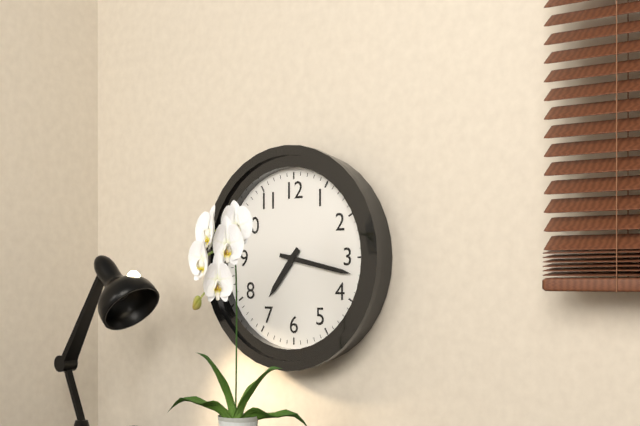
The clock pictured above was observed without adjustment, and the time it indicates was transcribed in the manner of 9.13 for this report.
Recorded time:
7.17
